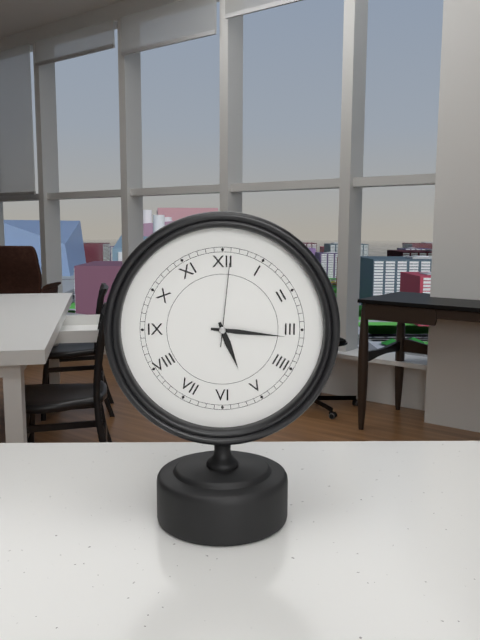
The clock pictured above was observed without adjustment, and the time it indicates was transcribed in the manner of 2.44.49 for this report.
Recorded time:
5.16.01
